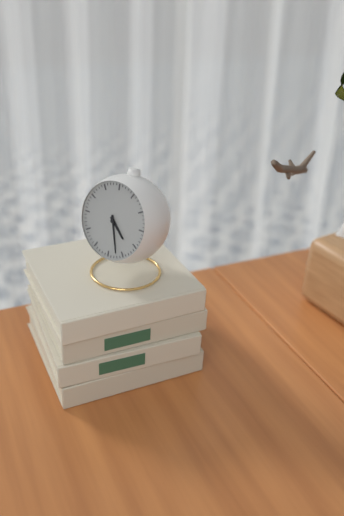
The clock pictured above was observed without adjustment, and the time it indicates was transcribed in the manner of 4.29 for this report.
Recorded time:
4.27
